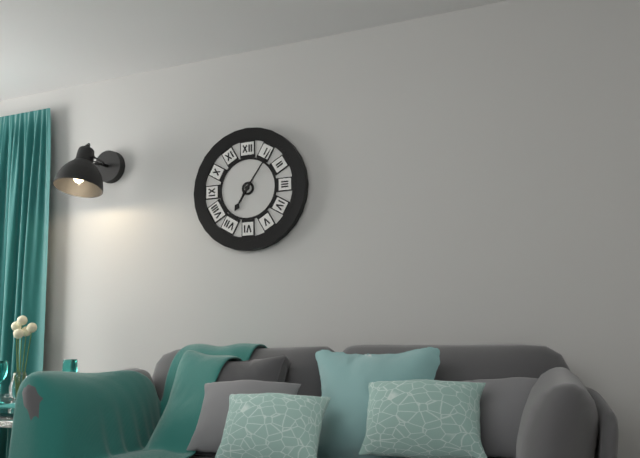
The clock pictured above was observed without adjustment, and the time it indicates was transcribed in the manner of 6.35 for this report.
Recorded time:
7.06
